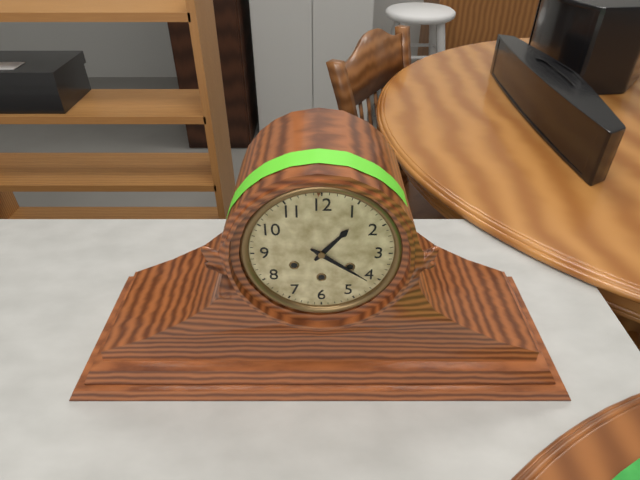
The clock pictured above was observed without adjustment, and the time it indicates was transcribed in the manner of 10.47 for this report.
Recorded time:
1.21
